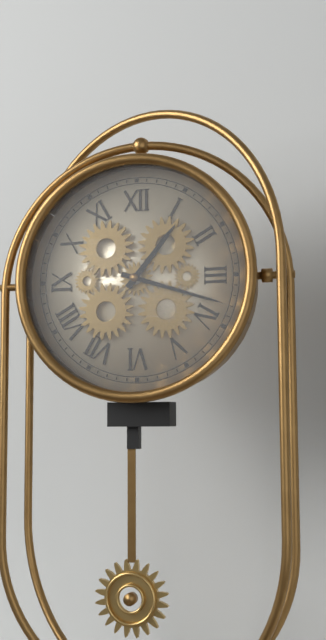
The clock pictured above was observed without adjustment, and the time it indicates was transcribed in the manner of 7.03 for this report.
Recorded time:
1.18
